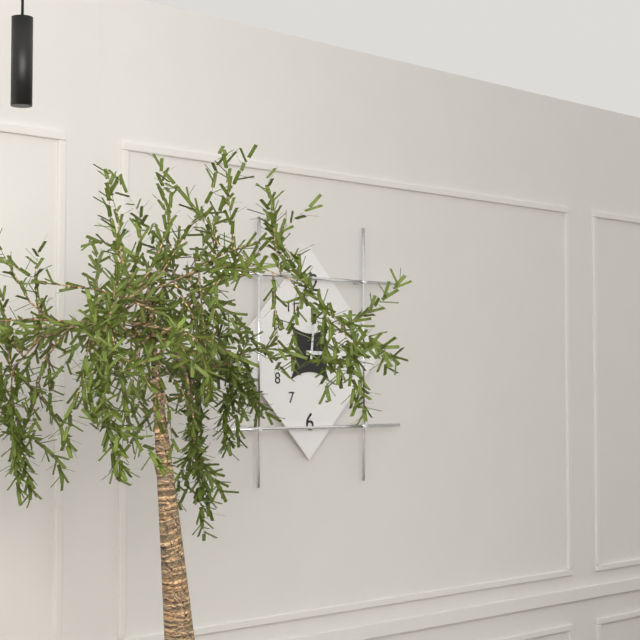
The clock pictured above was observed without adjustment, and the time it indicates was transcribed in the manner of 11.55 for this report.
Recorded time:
3.01
